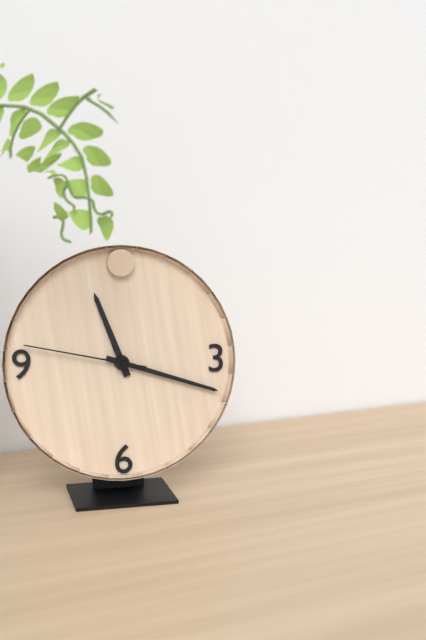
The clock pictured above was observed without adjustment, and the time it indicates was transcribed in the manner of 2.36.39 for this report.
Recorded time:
11.18.47
